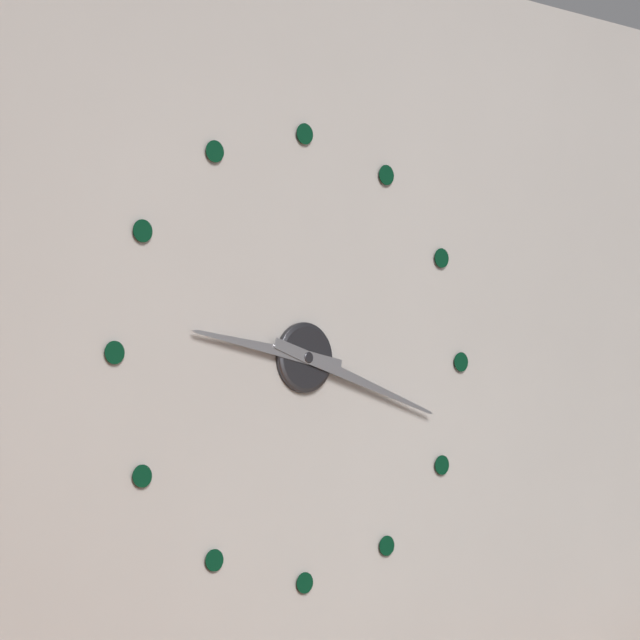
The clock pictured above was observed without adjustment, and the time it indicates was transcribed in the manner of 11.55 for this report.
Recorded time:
9.18
